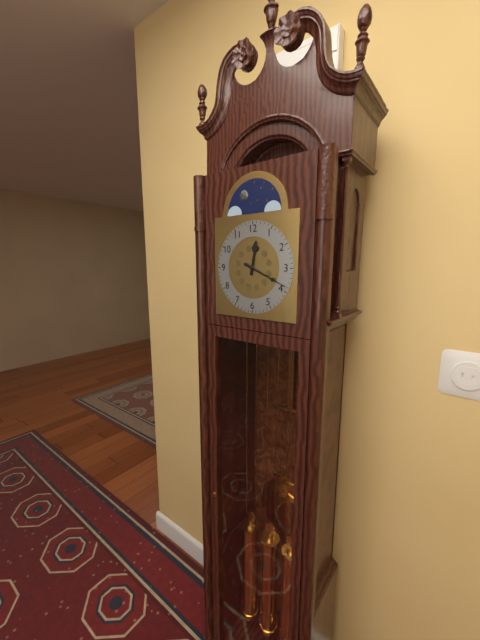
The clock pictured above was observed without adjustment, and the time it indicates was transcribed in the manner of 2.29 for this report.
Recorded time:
12.19
